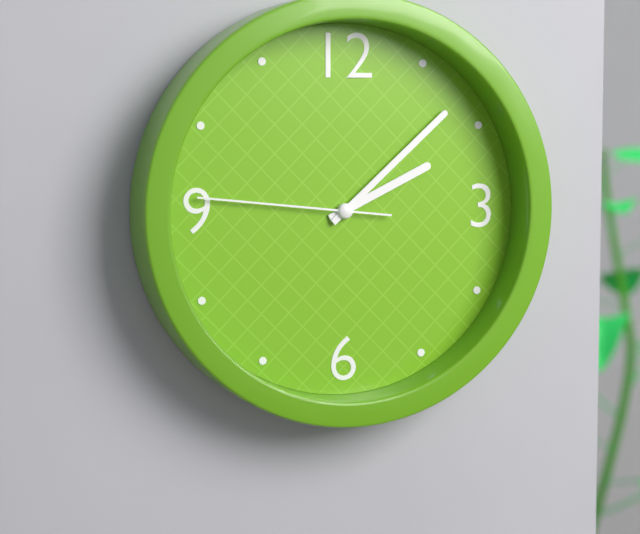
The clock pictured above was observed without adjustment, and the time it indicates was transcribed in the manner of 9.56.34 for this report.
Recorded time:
2.08.46
